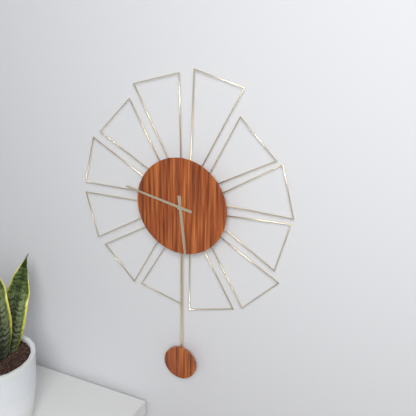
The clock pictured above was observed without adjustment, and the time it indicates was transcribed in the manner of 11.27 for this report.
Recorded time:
5.47
